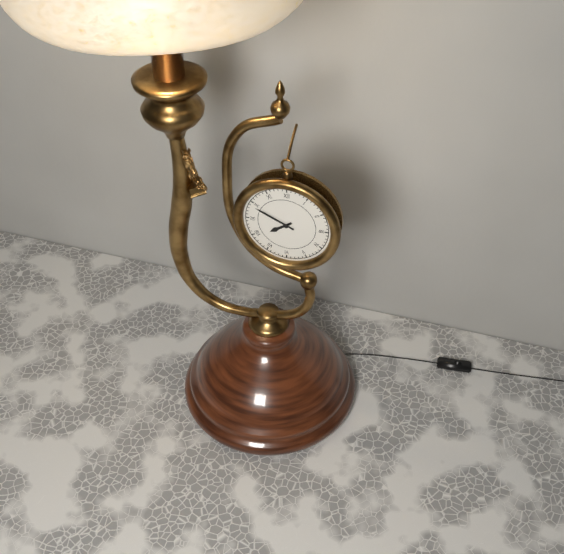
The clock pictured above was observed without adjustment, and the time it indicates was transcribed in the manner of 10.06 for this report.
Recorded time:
7.49
